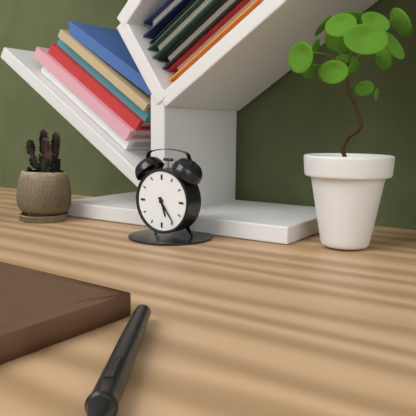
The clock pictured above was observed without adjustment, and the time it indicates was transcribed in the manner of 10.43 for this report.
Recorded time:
5.24
